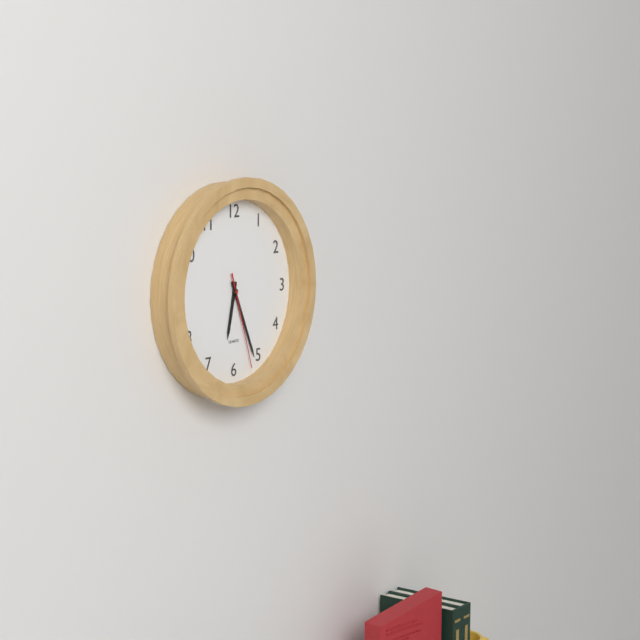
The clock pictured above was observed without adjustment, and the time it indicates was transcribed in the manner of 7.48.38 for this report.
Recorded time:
6.26.27
